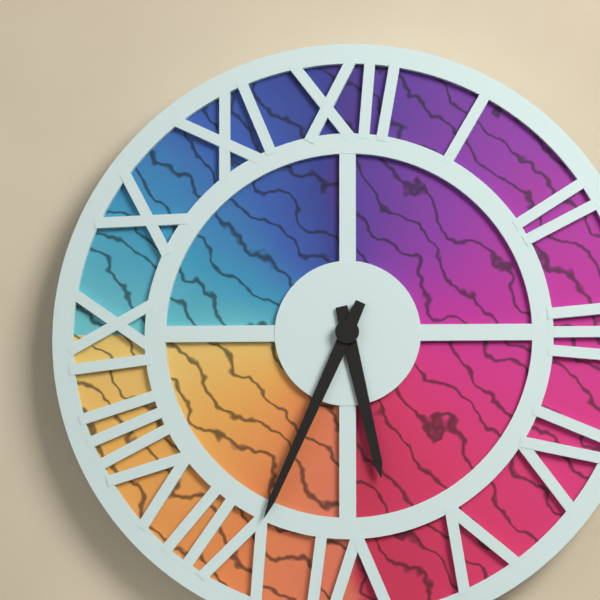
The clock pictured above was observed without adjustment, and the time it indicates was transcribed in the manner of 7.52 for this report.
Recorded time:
5.34
